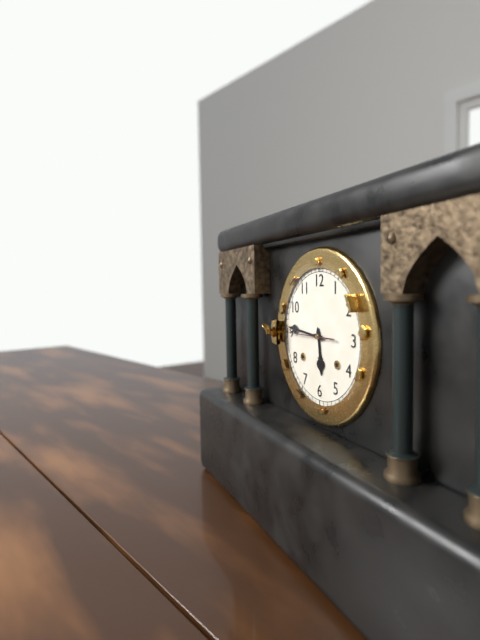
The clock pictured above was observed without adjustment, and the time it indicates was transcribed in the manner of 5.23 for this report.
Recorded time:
5.46
